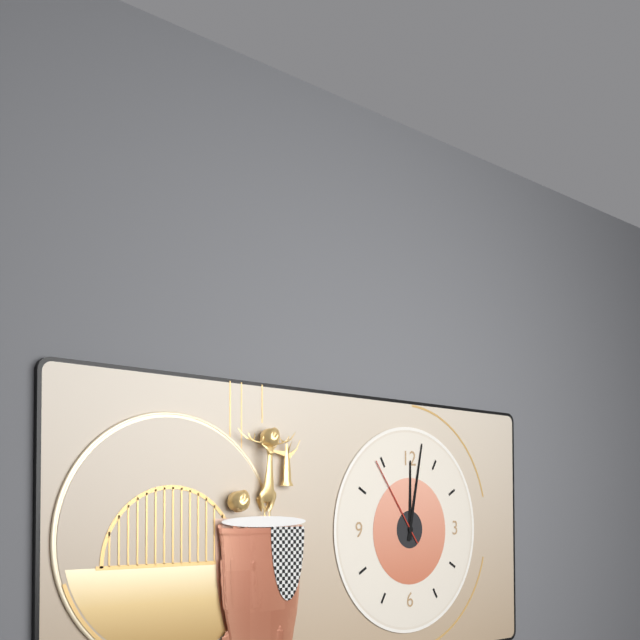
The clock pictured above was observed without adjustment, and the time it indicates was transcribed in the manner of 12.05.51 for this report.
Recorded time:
12.02.54
